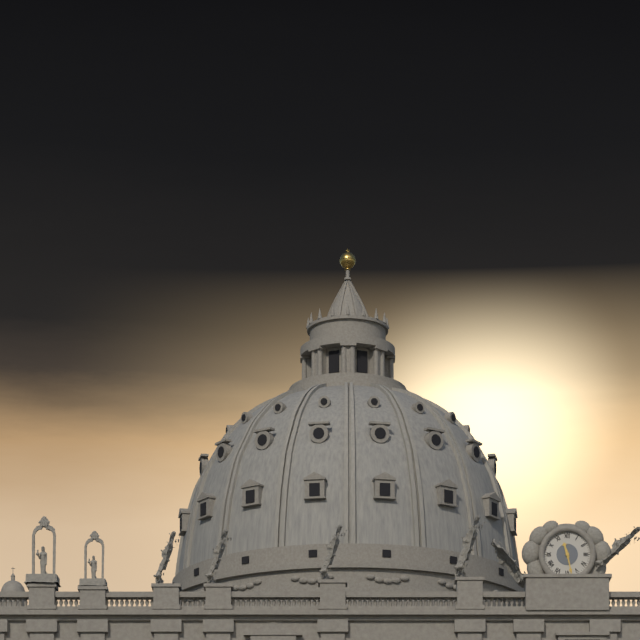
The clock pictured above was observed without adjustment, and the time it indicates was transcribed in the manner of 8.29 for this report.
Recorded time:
11.28
